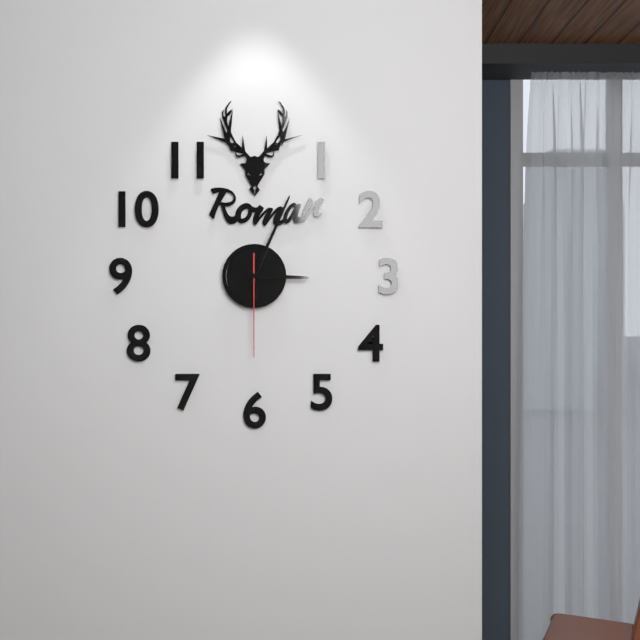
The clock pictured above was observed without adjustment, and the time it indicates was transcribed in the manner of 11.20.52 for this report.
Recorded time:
3.04.30
